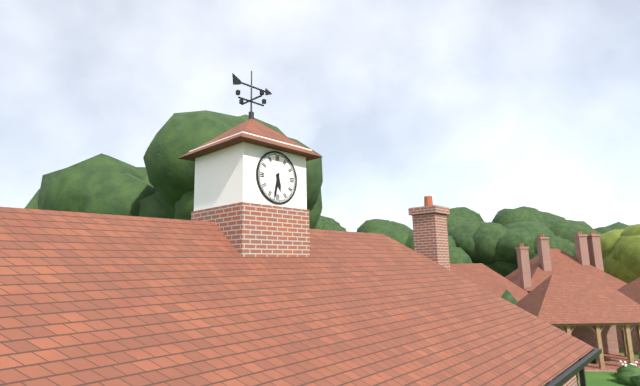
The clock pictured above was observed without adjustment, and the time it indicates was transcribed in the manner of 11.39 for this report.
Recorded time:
5.32
